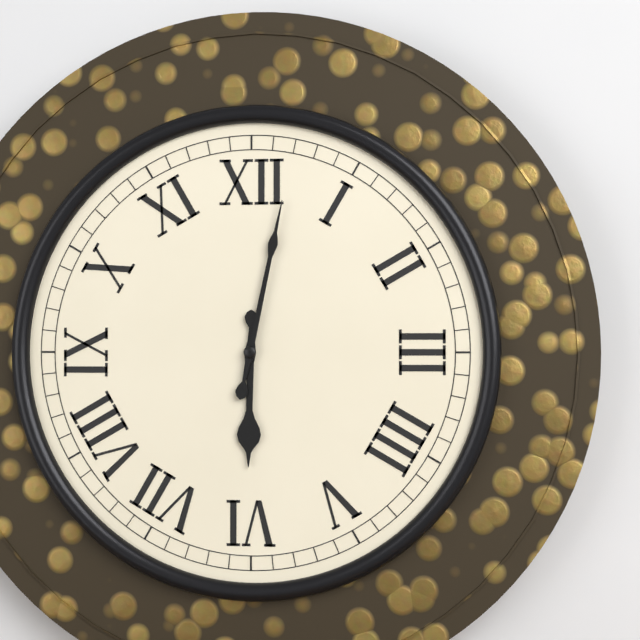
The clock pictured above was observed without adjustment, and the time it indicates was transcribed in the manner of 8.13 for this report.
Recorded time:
6.02
